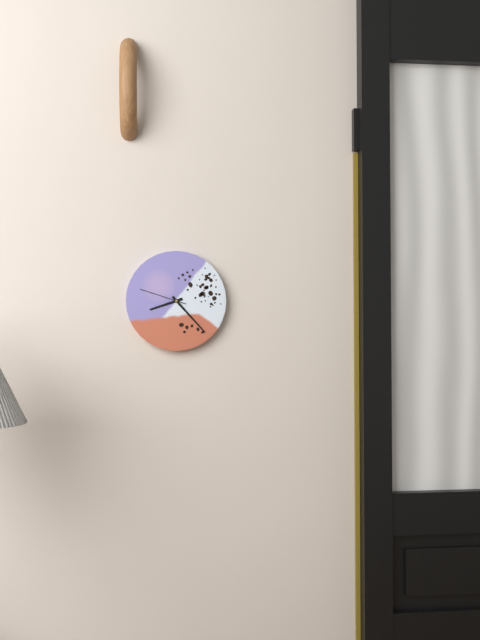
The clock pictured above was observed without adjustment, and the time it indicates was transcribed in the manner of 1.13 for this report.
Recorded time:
8.23
